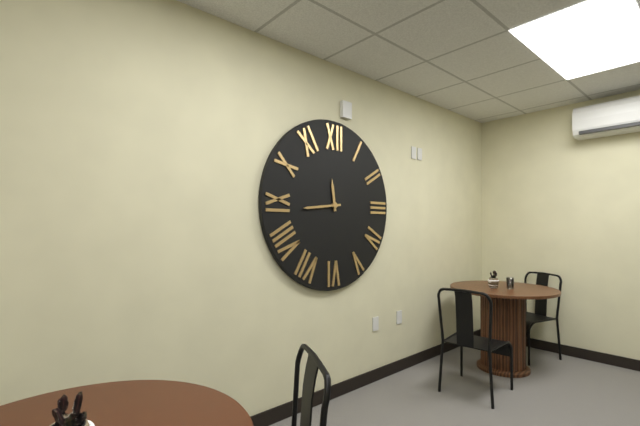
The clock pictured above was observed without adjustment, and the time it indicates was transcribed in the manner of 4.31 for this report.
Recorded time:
11.44
